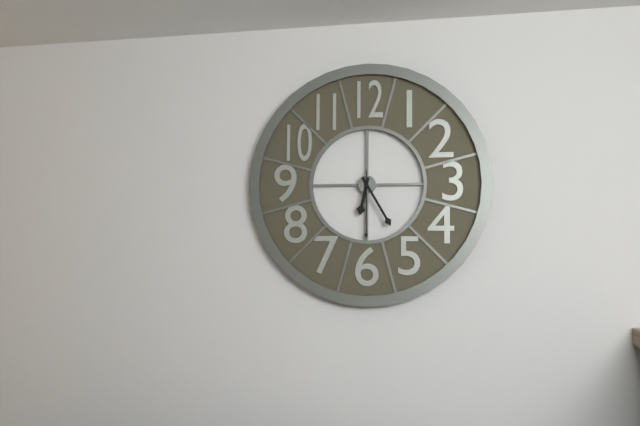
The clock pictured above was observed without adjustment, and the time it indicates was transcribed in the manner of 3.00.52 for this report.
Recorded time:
6.25.30
